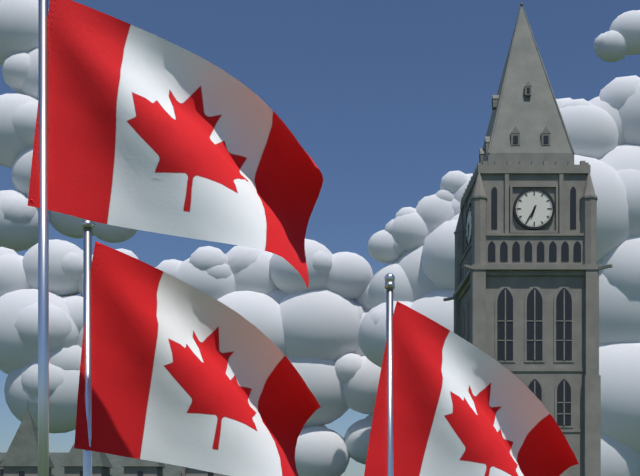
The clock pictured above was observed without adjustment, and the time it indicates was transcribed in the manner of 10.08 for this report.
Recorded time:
6.35
